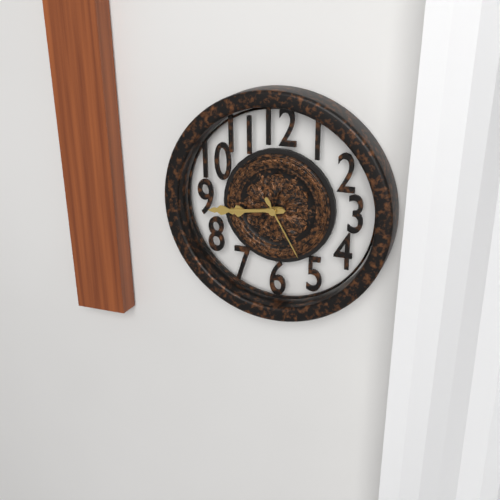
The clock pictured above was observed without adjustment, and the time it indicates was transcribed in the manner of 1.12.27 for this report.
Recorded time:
8.44.25
